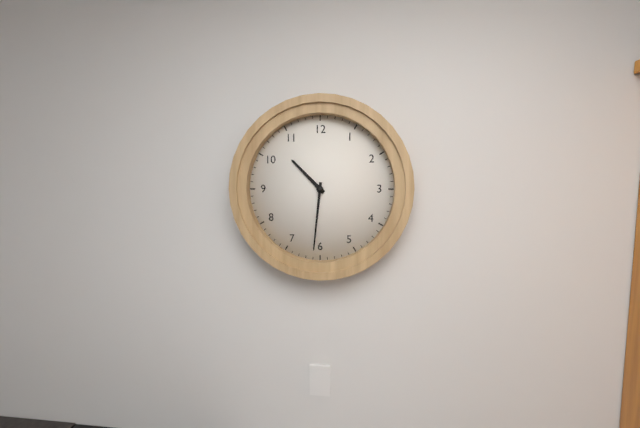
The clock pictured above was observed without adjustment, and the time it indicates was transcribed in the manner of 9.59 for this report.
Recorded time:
10.31
